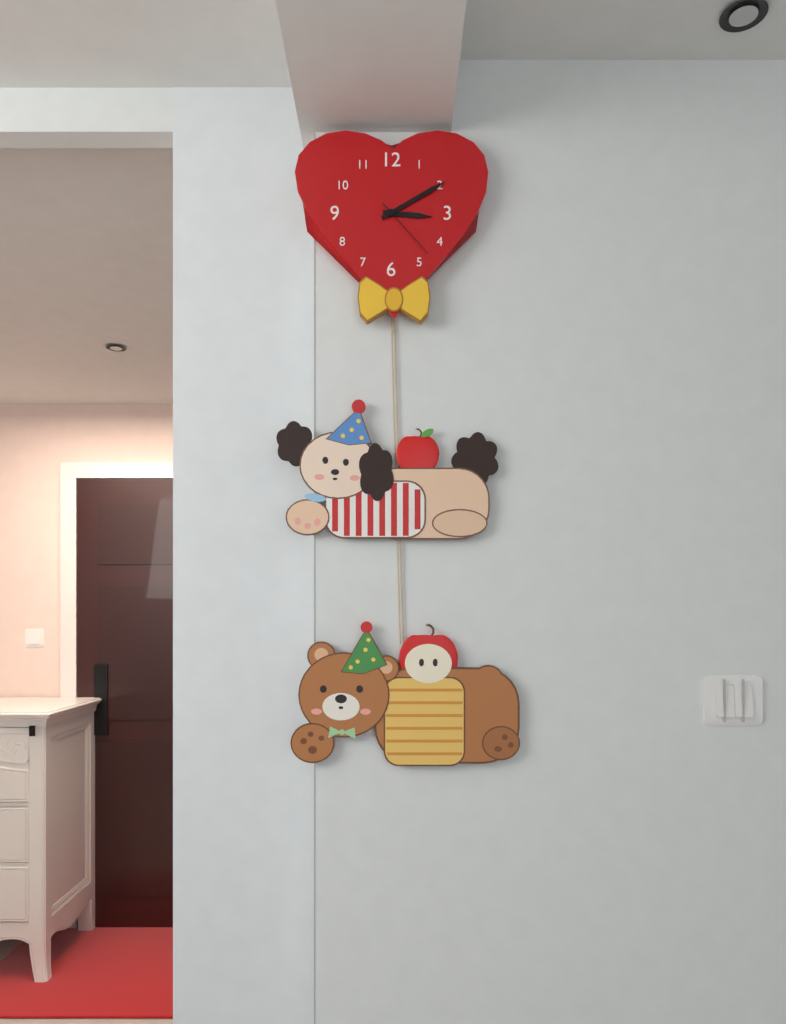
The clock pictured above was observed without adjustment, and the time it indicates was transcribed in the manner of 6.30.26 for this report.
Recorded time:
3.10.23
